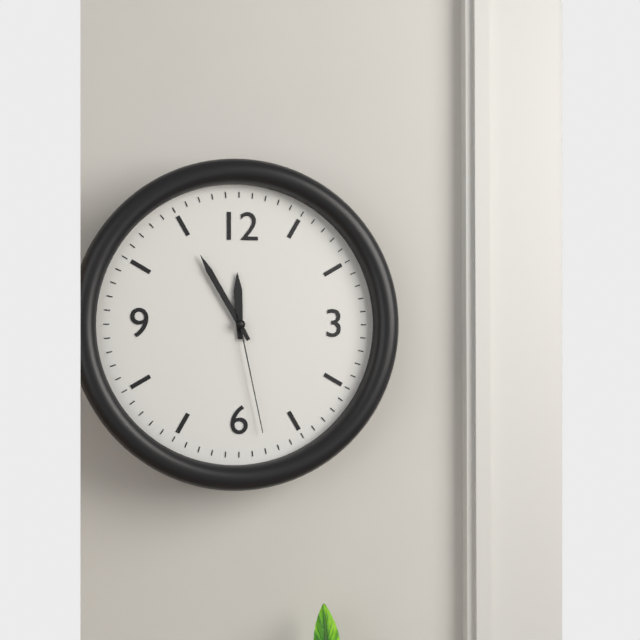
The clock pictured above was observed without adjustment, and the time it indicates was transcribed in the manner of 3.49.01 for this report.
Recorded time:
11.55.28
